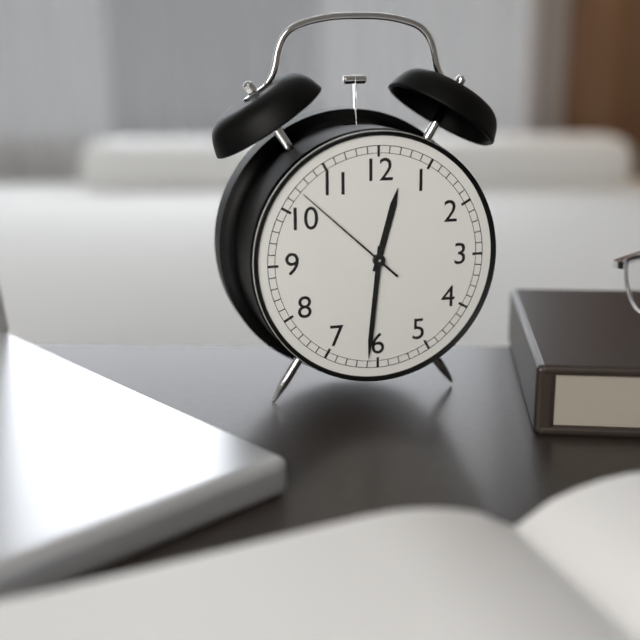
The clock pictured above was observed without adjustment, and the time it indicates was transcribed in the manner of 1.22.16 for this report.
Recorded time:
12.31.52
